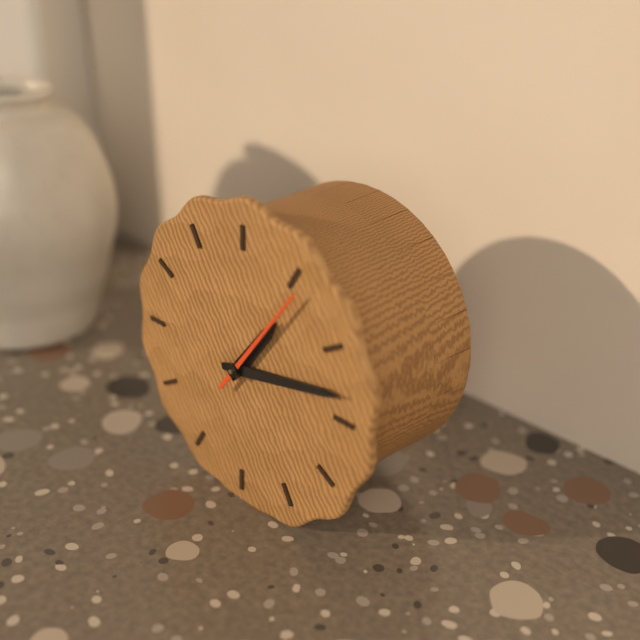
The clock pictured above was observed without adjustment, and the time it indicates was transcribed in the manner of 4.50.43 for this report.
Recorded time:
1.13.06
